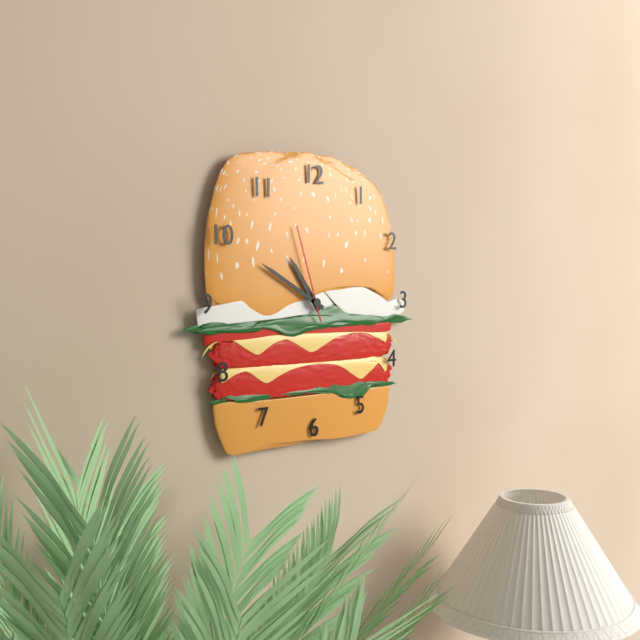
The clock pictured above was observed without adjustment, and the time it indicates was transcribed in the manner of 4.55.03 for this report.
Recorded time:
10.50.57
